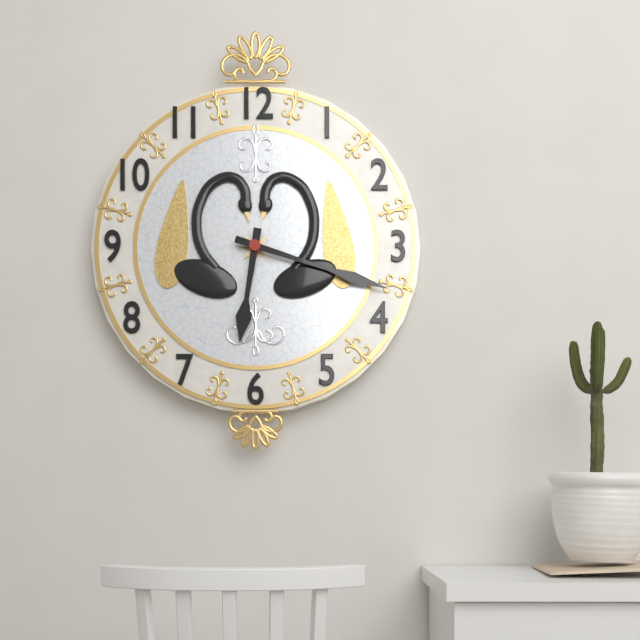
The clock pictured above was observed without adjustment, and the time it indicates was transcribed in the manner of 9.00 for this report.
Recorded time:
6.18
